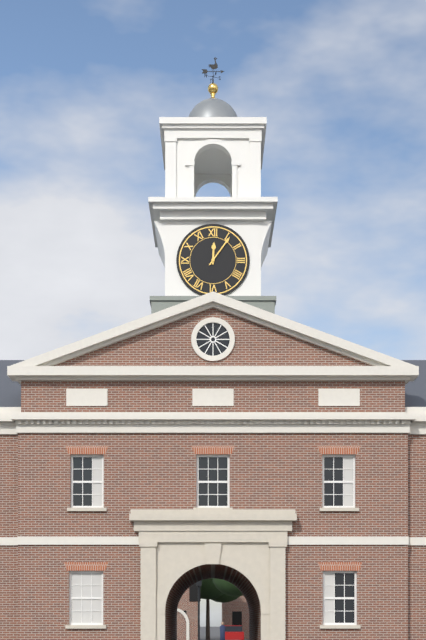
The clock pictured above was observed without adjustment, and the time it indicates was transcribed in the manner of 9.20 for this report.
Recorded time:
12.06
